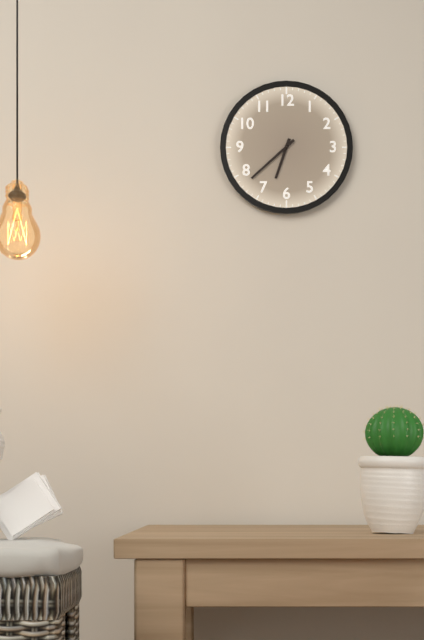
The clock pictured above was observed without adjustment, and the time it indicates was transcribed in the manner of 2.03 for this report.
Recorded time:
6.38
